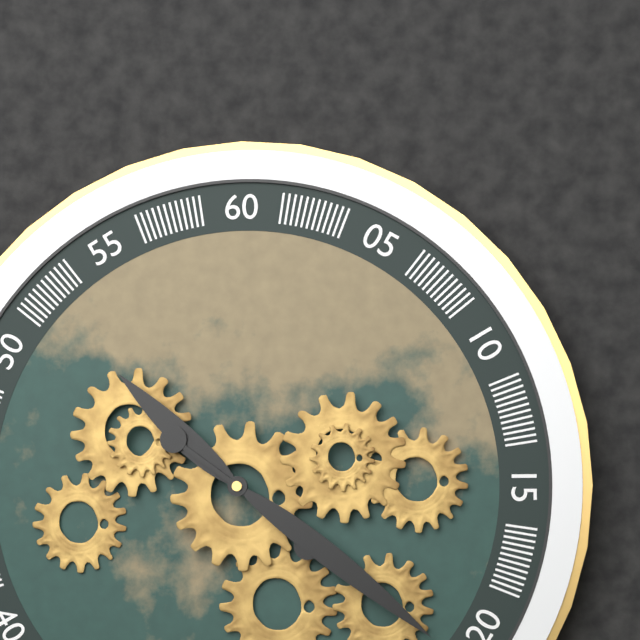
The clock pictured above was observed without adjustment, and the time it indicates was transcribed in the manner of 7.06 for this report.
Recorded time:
10.21
